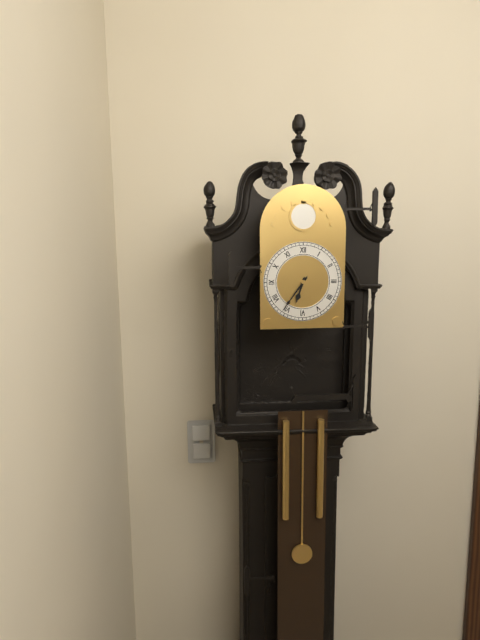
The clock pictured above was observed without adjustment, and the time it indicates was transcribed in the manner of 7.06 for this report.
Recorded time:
6.36
